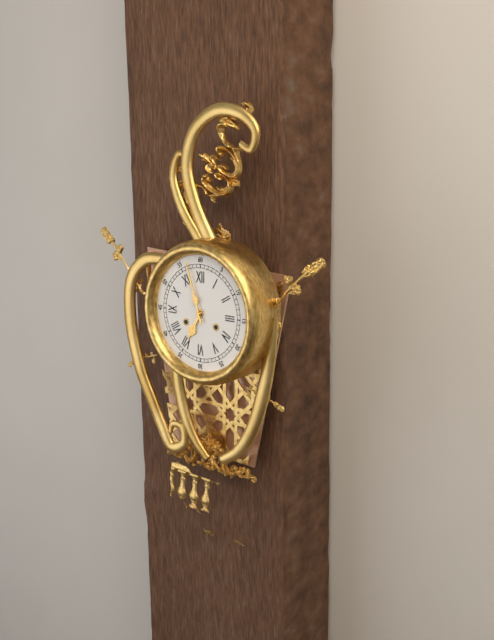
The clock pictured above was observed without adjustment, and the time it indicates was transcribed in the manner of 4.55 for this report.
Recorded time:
6.57
